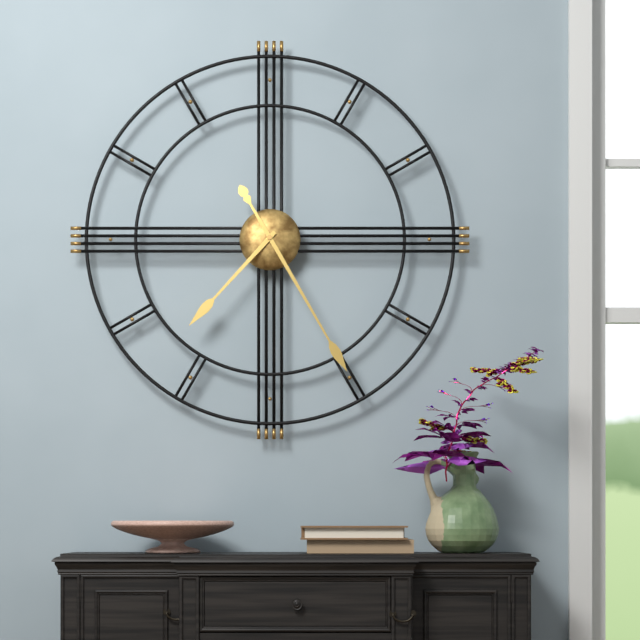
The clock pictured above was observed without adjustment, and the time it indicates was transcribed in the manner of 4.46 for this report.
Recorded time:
7.25
